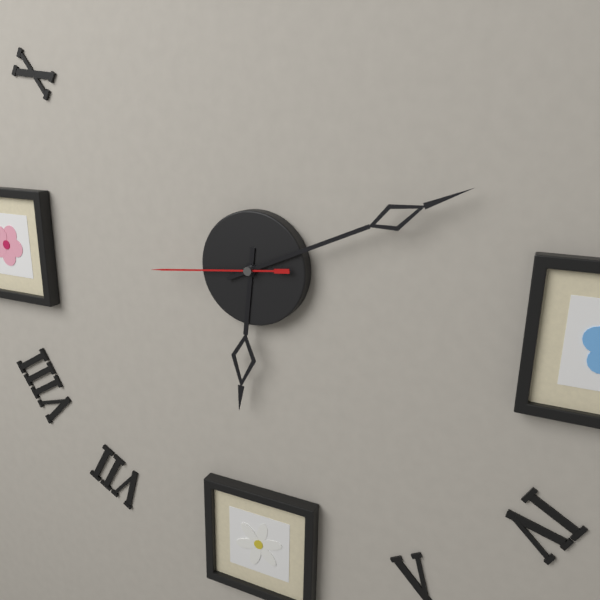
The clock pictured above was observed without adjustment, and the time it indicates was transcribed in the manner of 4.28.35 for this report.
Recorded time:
6.11.44
